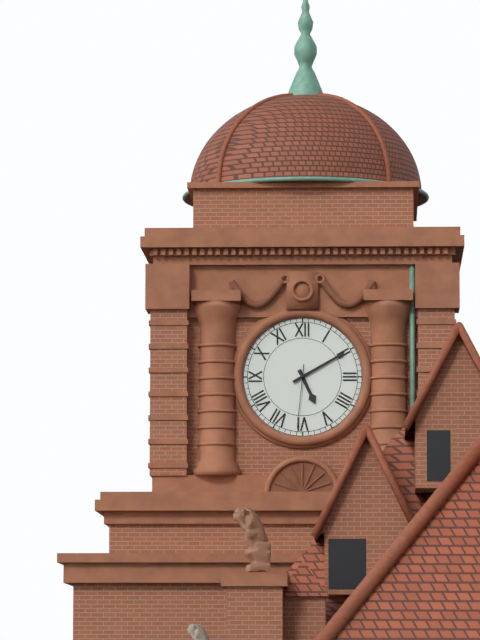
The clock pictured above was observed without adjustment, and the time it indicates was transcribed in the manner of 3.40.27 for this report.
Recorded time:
5.10.31
